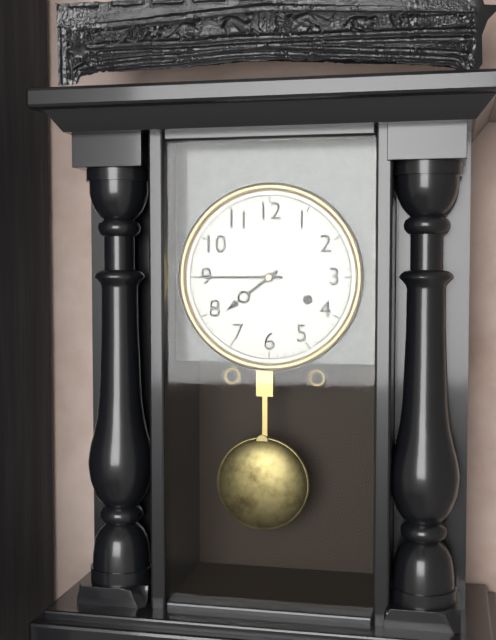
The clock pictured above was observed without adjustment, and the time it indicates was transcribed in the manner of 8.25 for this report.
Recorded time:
7.45
